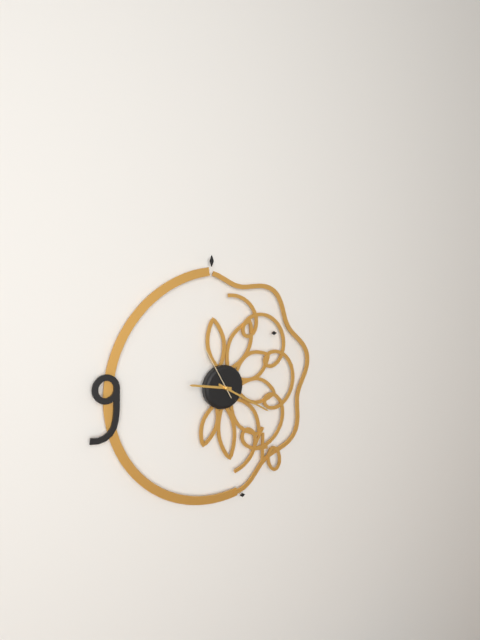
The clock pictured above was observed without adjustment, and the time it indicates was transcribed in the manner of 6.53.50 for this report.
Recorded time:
9.20.55
